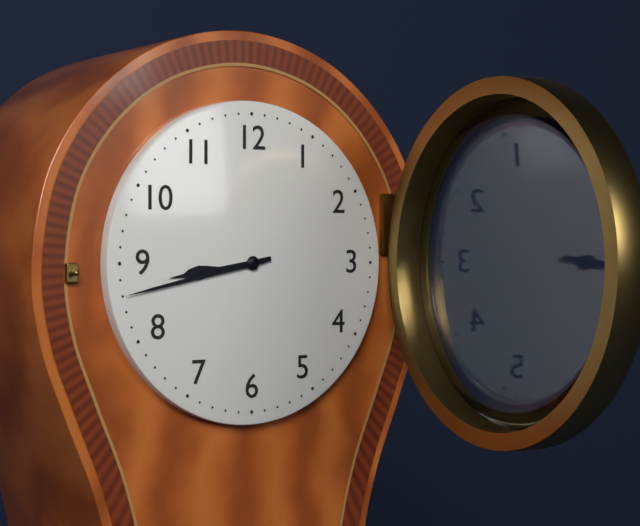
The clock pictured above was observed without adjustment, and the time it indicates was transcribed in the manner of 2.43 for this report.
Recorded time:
8.43
